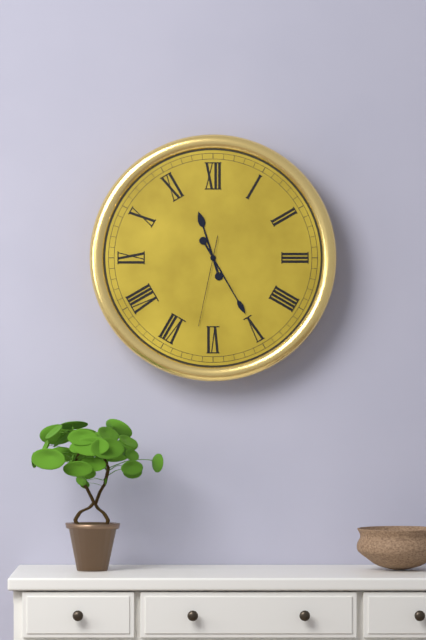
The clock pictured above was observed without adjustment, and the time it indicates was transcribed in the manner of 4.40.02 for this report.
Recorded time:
11.25.32
